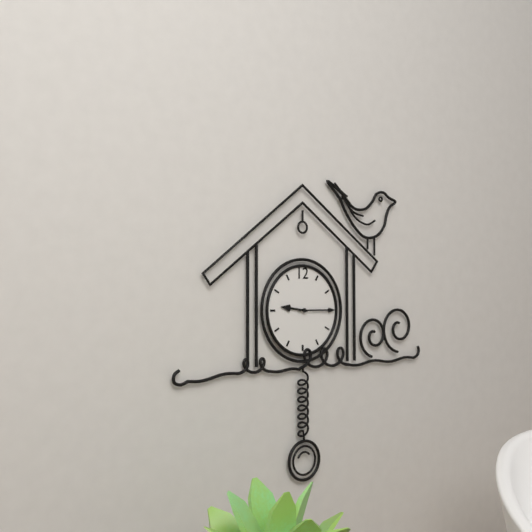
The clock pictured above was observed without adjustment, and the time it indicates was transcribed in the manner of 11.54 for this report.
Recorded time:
9.15
